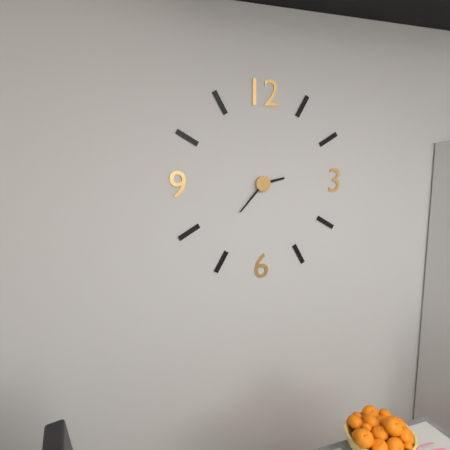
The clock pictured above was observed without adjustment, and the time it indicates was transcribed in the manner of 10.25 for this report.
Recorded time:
2.37
